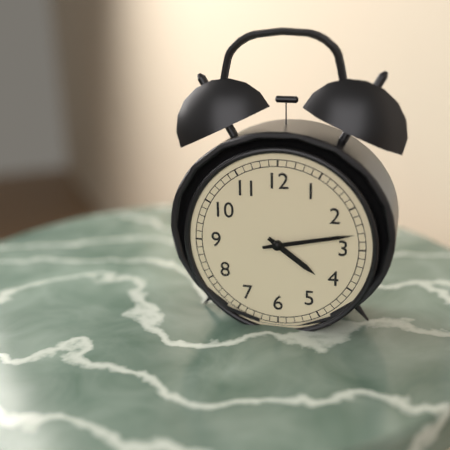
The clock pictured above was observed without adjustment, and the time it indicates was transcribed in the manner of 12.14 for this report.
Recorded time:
4.13
